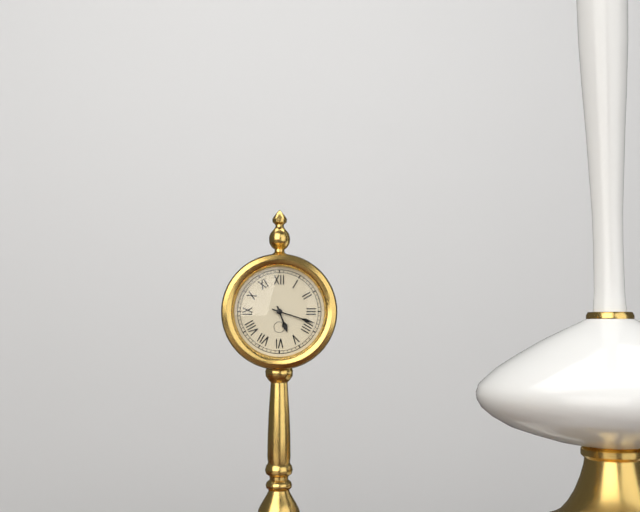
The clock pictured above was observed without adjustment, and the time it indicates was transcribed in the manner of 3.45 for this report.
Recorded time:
5.18
